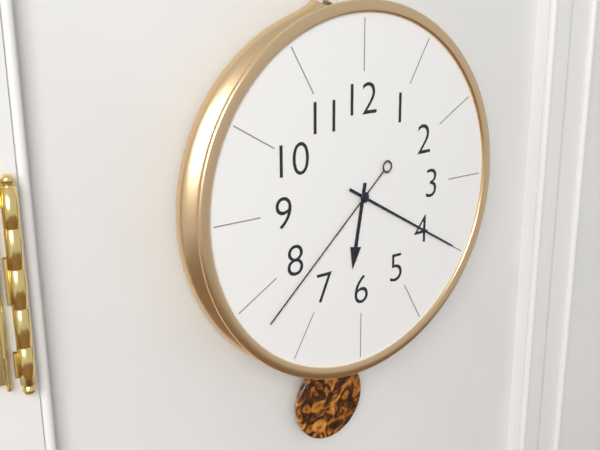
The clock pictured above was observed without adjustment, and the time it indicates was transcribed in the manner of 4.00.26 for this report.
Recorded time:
6.20.38
